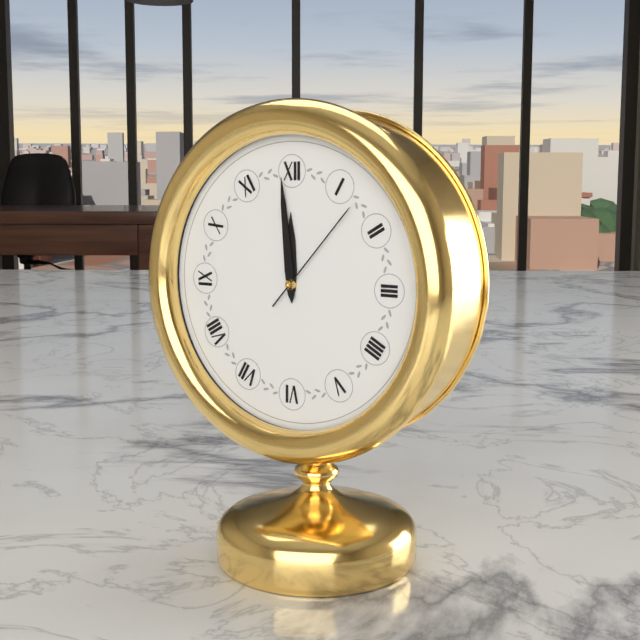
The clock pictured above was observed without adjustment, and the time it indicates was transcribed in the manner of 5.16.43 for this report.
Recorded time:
11.59.07
